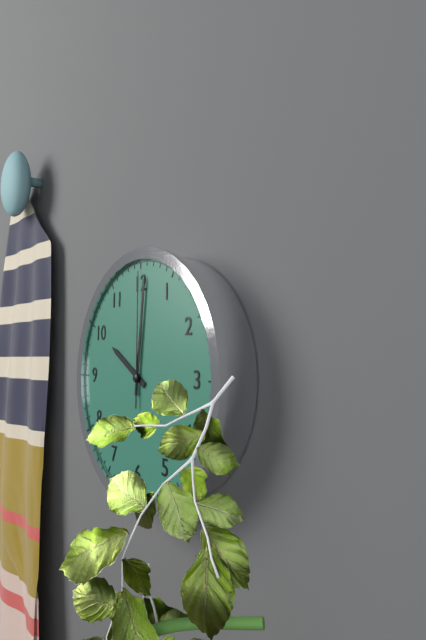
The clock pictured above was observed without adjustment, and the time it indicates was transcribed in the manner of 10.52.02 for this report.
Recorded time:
10.01.00
